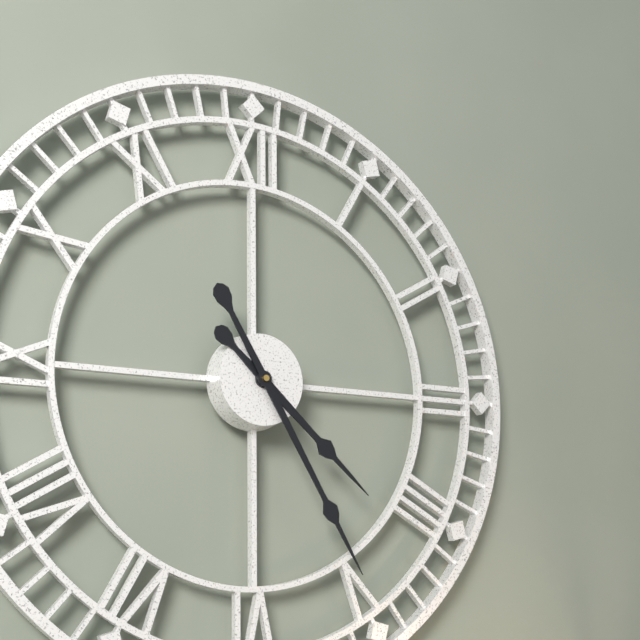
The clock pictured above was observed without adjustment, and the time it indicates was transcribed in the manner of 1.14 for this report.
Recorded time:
4.25
